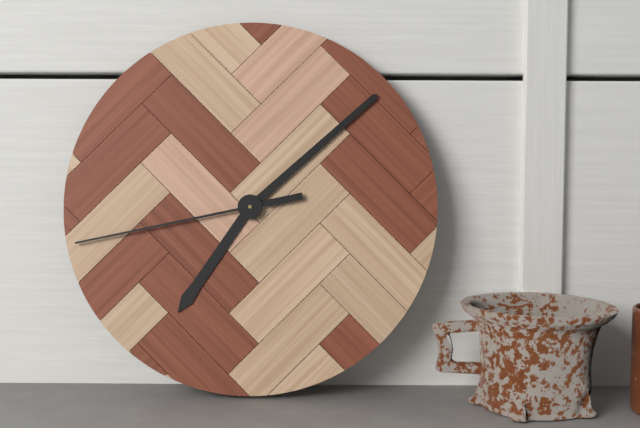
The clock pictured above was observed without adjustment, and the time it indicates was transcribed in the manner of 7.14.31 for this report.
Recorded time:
7.08.43
